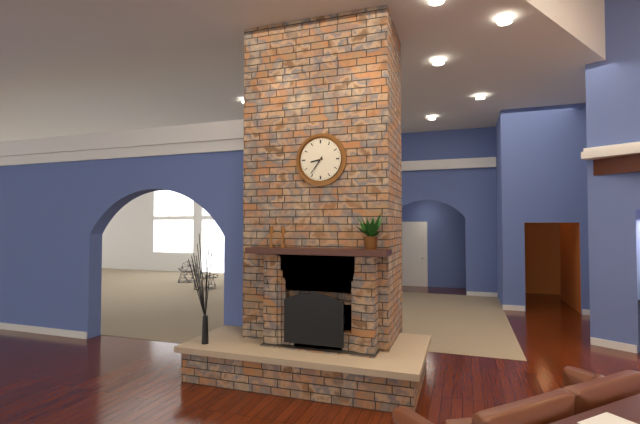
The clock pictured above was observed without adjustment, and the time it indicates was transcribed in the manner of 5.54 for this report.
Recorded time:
8.36
